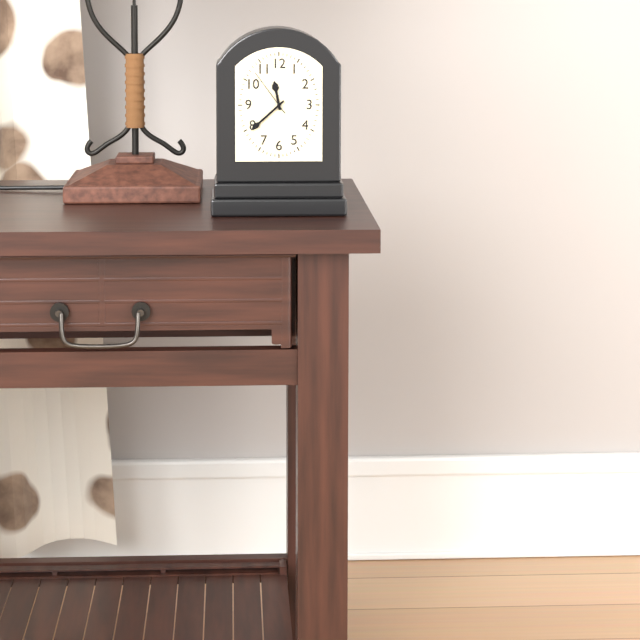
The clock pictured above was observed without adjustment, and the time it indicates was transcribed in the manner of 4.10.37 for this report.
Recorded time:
11.38.54
